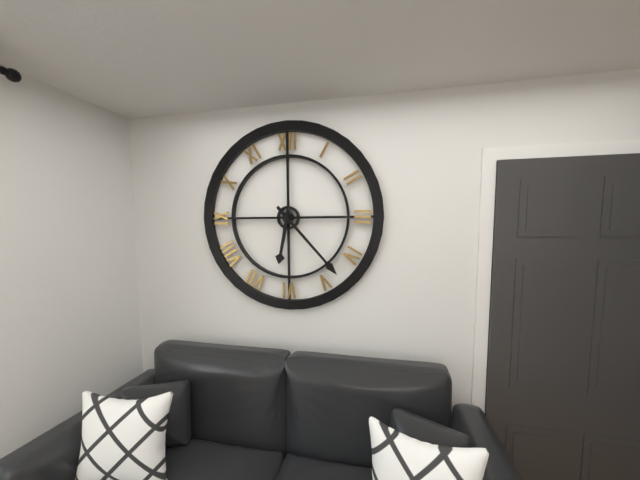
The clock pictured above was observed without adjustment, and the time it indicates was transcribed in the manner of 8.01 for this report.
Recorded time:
6.23
